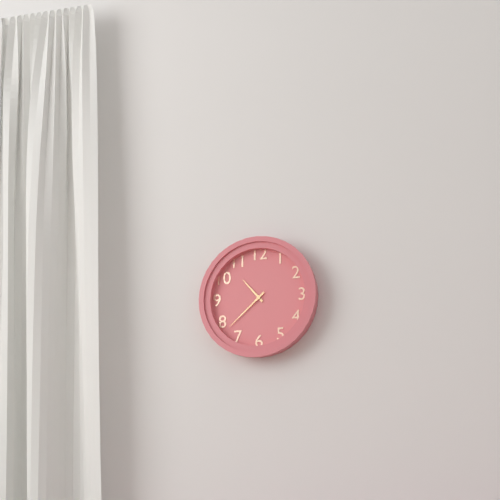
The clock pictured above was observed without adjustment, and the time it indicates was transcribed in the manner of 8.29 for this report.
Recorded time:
10.38
